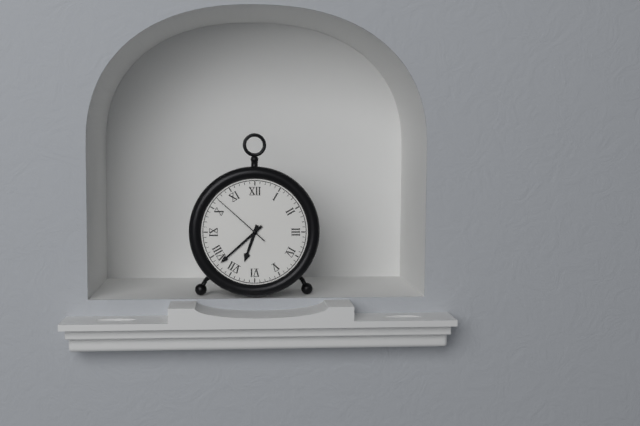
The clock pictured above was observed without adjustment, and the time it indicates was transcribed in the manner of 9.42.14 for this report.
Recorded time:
6.38.52
